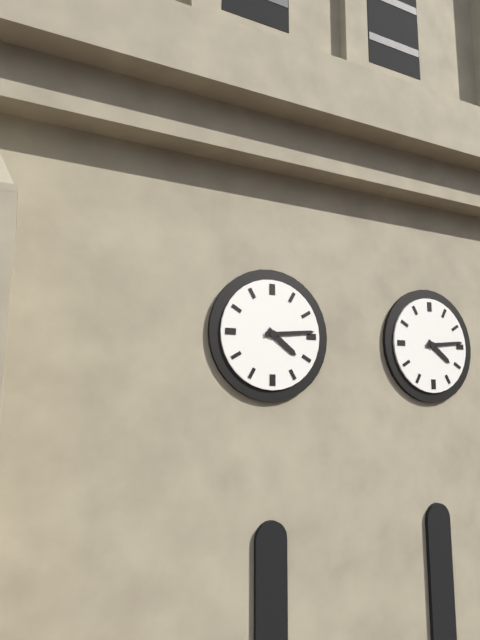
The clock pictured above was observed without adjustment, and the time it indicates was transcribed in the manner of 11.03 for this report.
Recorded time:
4.14
